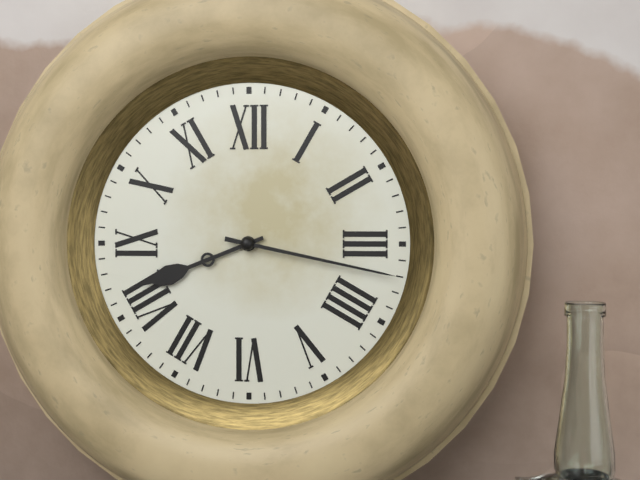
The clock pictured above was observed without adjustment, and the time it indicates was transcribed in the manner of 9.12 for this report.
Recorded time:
8.17
